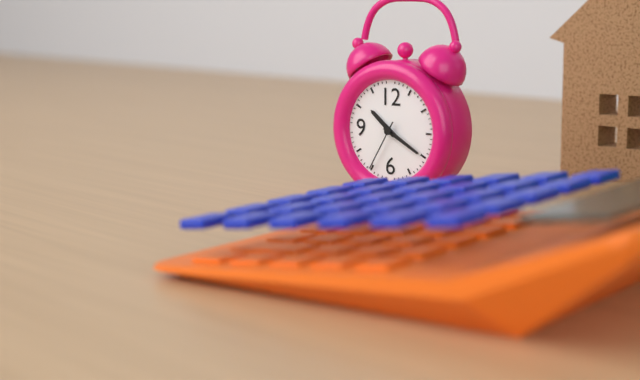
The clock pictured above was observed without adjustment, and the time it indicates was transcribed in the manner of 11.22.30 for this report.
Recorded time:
10.20.35
